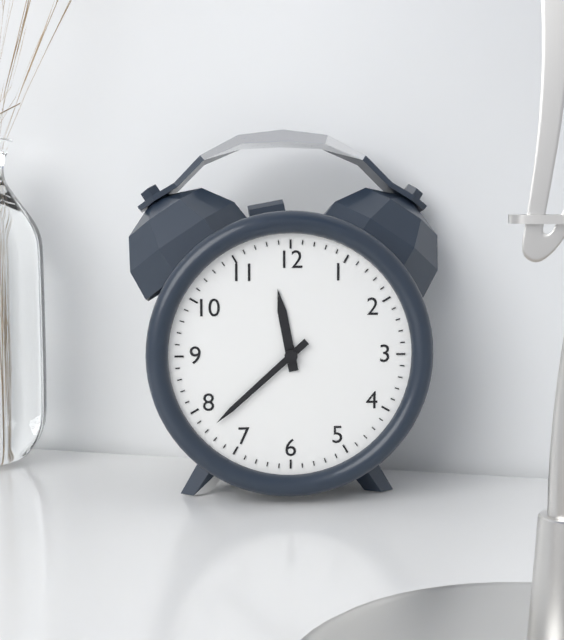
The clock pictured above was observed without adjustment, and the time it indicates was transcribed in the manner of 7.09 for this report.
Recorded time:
11.38
